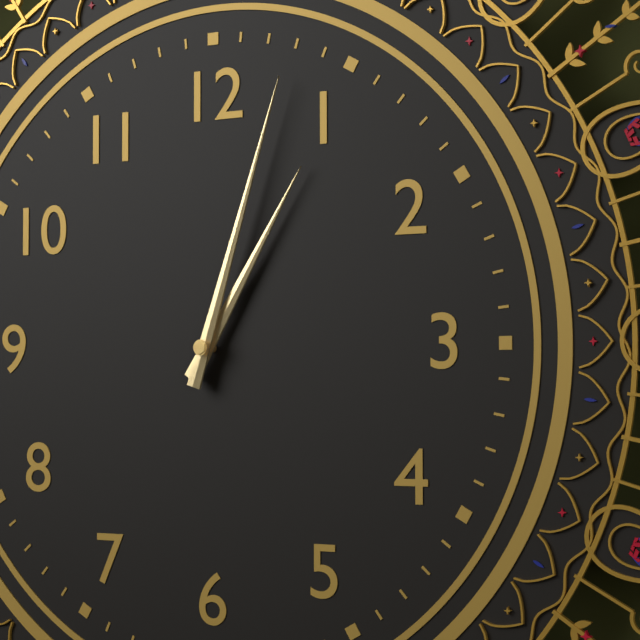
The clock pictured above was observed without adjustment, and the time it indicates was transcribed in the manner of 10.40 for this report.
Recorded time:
1.03
